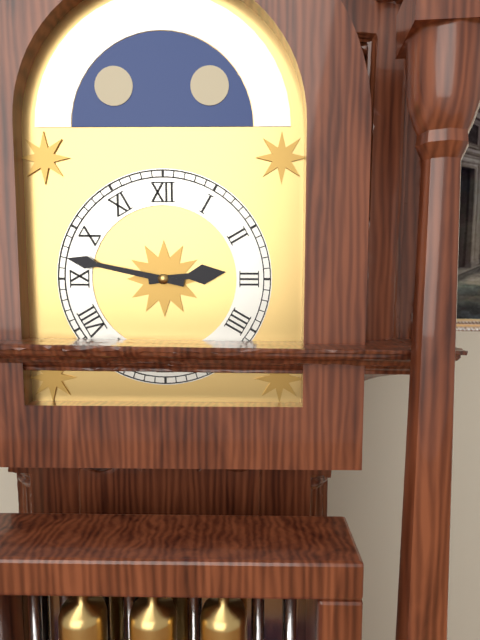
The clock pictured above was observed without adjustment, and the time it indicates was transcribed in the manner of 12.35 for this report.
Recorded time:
2.47
